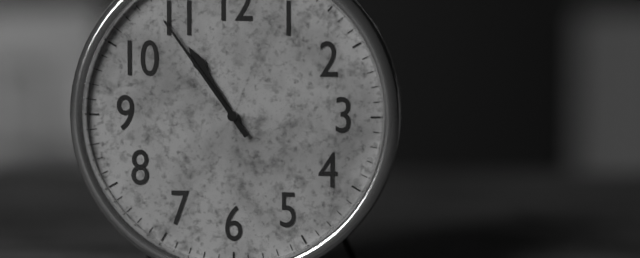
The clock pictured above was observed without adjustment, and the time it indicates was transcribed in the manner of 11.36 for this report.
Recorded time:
10.54
